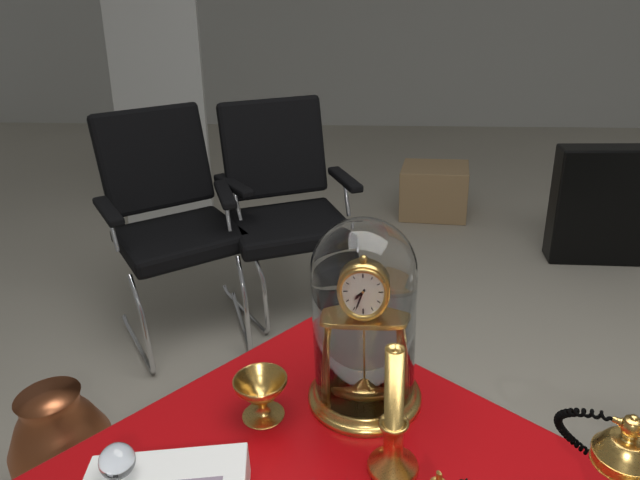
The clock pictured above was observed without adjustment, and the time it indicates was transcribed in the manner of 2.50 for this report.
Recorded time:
7.34
